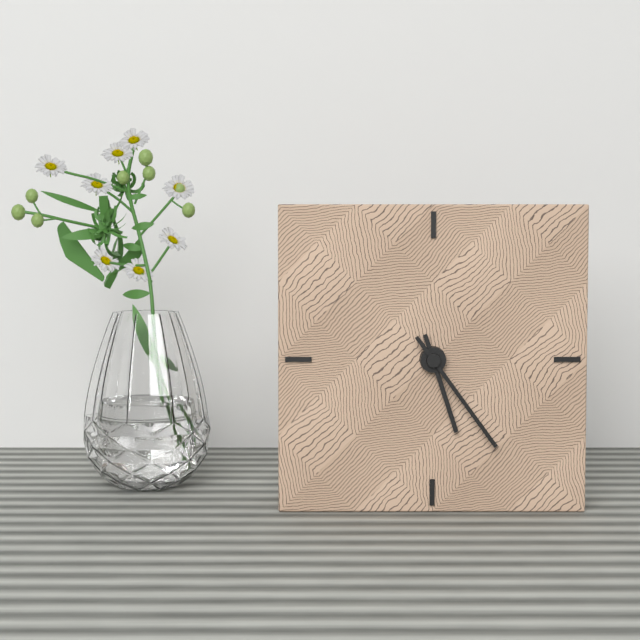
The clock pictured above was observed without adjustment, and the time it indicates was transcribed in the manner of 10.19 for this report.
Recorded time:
5.24
